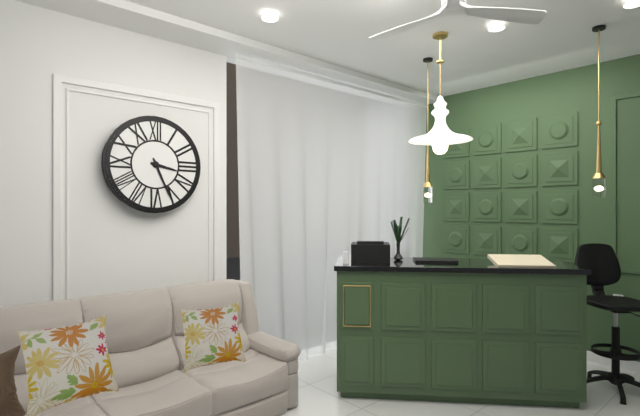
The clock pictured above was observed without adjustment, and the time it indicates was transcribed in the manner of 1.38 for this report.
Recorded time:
3.26
